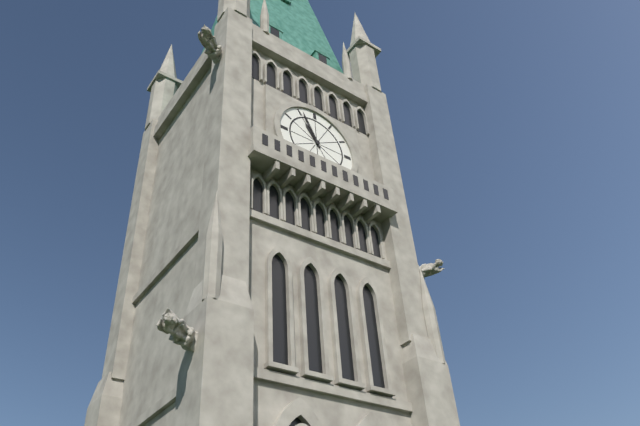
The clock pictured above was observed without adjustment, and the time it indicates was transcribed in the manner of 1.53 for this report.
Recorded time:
10.56
